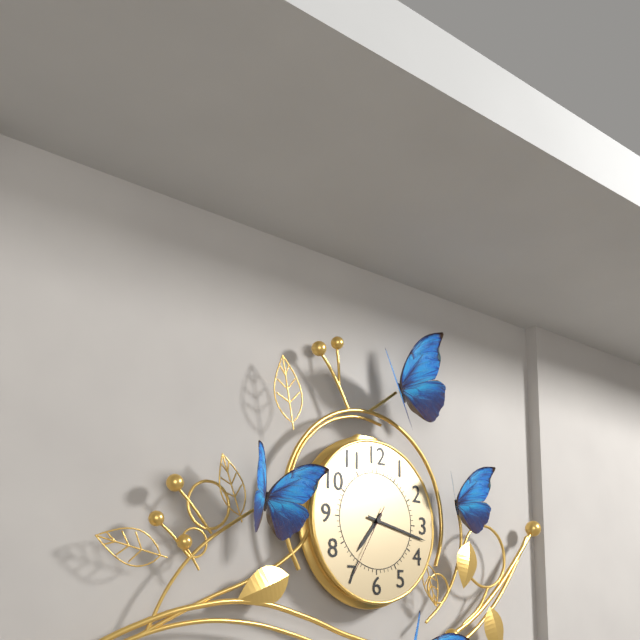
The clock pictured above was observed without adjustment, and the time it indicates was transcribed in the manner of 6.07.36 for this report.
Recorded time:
7.17.35
